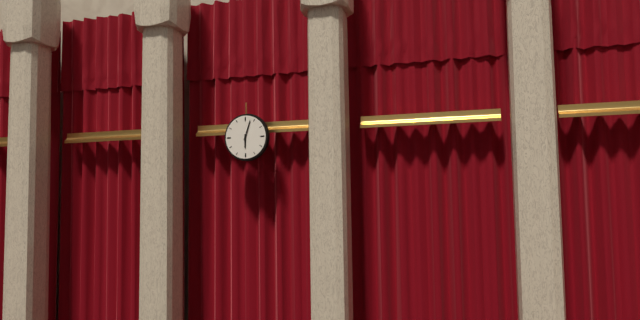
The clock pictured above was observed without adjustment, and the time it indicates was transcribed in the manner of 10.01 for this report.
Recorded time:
6.03
